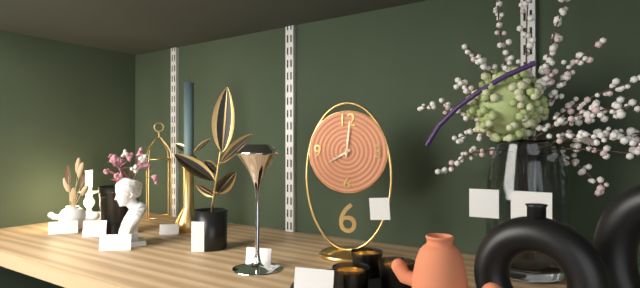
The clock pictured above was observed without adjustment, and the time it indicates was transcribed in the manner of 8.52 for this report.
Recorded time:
8.01
